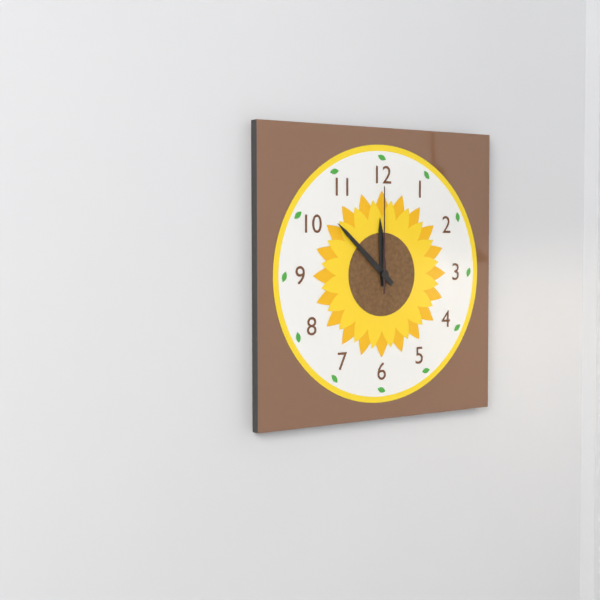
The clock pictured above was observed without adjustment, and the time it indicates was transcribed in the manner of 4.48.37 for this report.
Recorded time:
11.52.00
